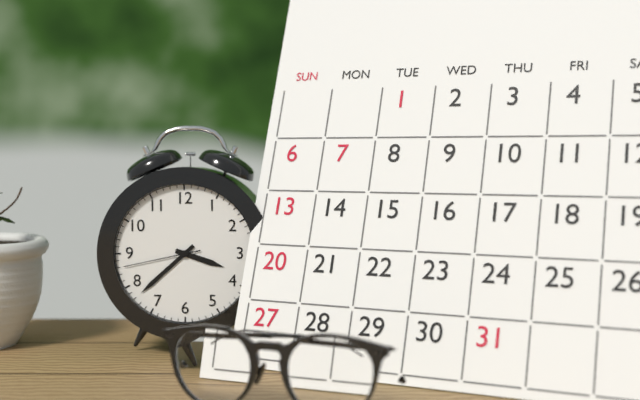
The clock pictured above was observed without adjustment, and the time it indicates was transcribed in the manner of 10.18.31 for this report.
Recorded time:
3.38.43
